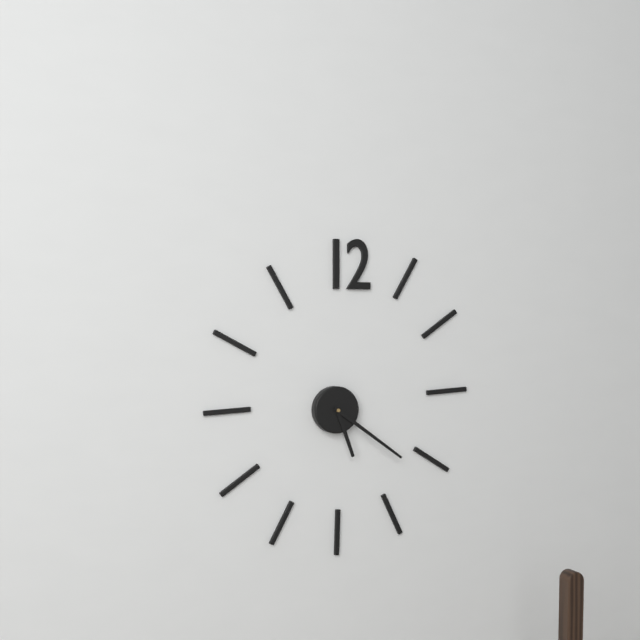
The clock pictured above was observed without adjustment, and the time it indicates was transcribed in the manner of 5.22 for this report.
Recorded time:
5.21
